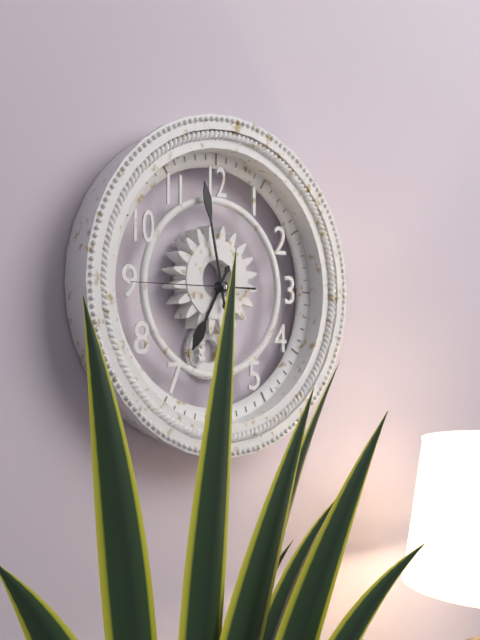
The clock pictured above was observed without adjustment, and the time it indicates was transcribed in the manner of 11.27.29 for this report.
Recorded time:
6.58.45
